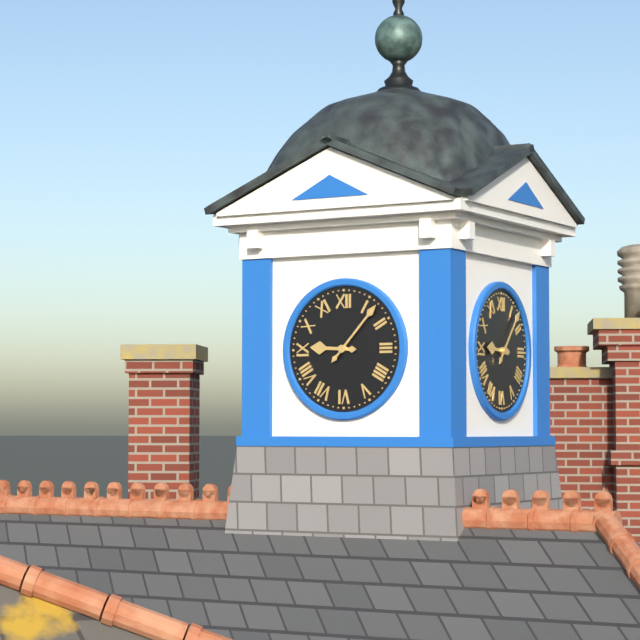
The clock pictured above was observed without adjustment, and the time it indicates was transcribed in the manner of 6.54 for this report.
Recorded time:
9.07
